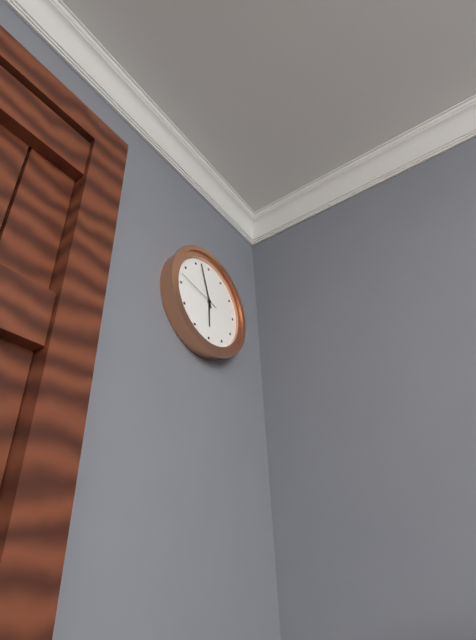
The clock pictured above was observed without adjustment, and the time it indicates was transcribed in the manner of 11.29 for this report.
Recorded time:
5.57
